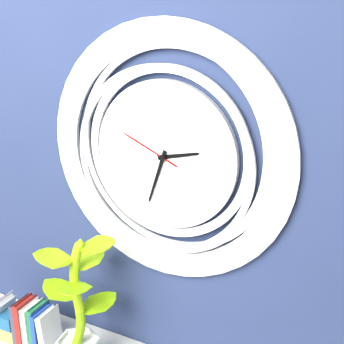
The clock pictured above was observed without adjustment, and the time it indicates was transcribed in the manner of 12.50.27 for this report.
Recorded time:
2.33.49
